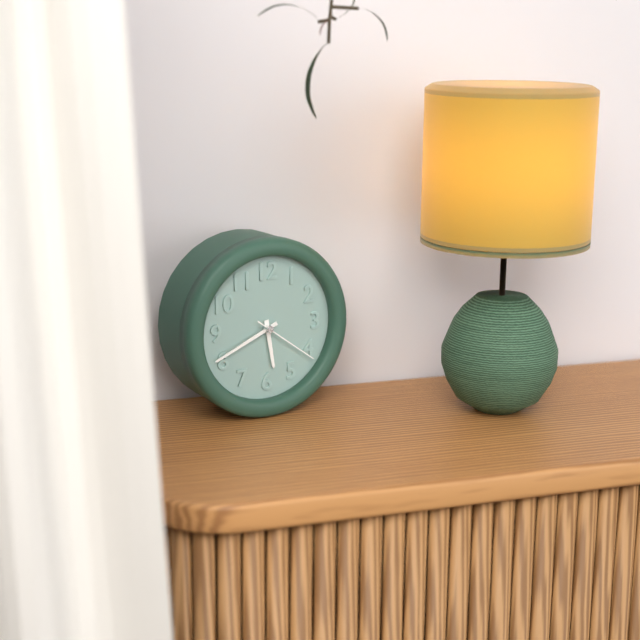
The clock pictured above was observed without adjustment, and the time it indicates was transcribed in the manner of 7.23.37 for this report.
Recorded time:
5.41.21
